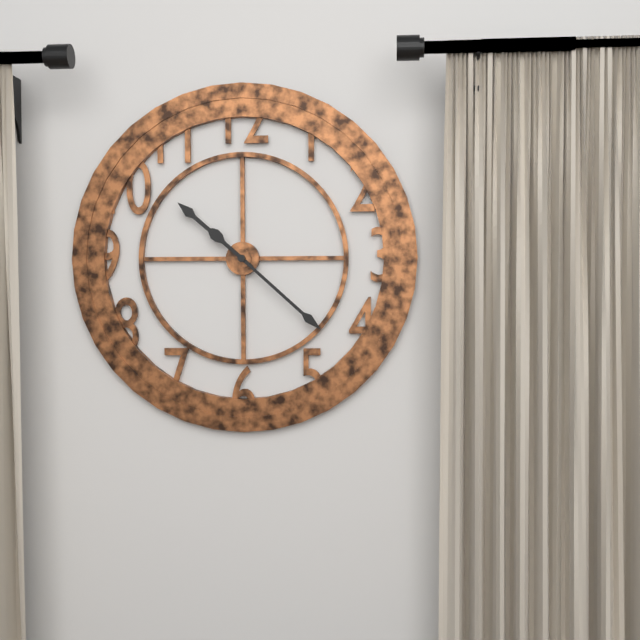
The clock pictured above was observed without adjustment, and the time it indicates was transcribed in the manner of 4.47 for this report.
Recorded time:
10.22
